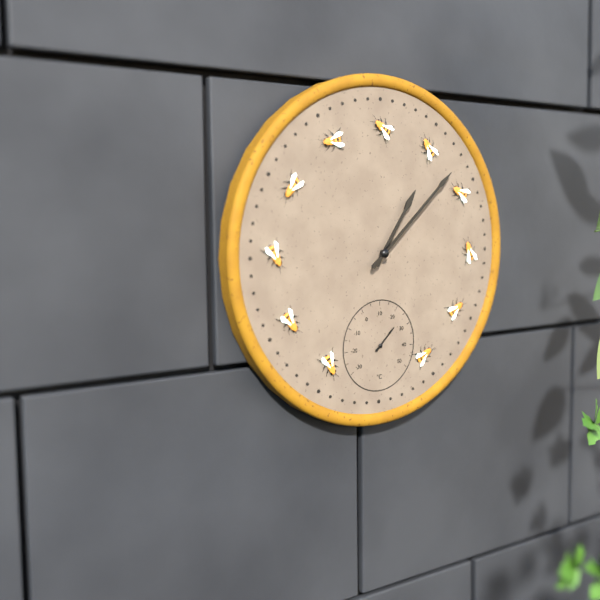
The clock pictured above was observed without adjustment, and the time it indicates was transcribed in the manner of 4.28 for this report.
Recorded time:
1.08
